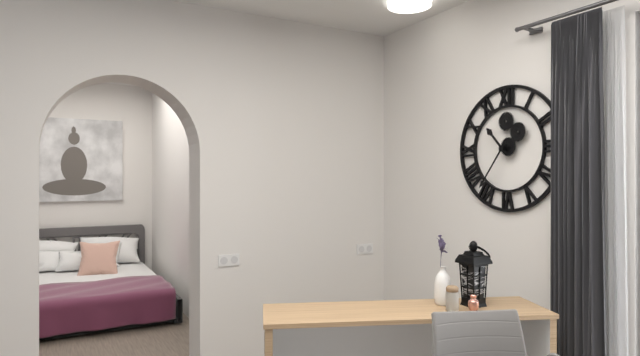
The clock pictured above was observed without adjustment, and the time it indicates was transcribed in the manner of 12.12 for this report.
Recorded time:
10.36
